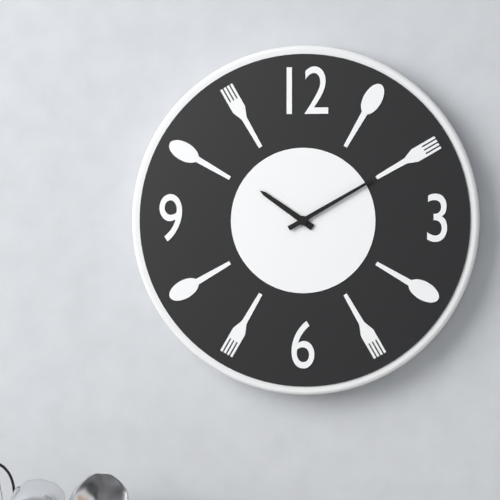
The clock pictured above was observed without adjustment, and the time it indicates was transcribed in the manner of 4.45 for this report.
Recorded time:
10.10
